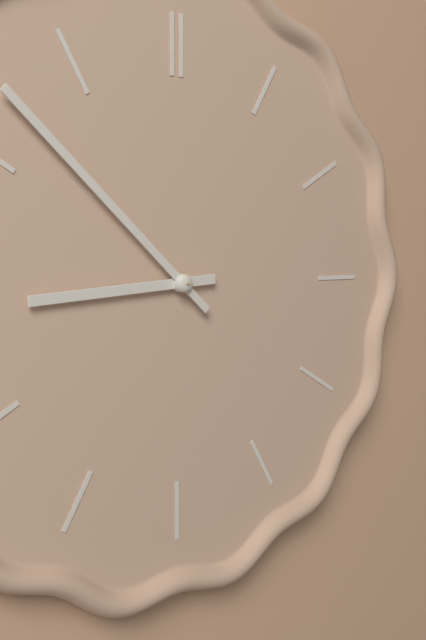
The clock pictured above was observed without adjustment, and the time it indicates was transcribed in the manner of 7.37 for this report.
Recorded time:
8.52
